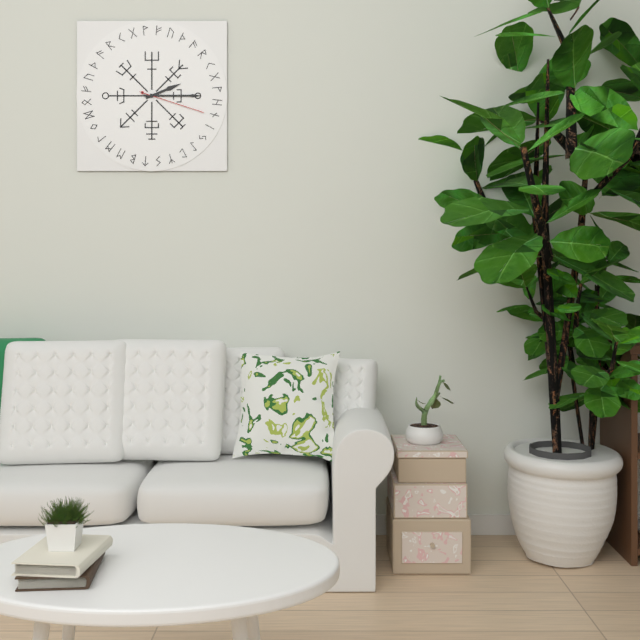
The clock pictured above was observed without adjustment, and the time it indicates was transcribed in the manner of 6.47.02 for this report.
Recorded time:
2.15.18
